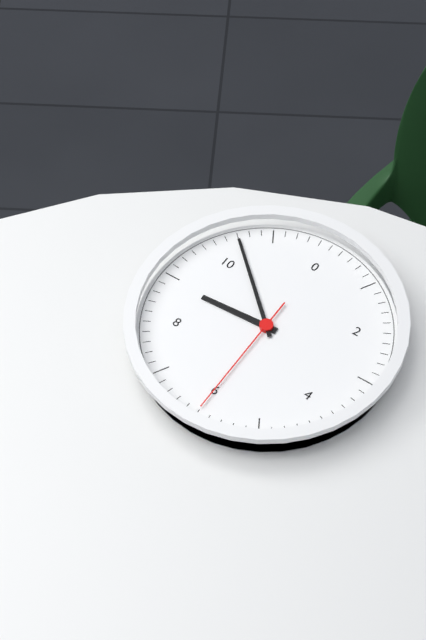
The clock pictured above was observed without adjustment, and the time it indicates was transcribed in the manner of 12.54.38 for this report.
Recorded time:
8.52.30
